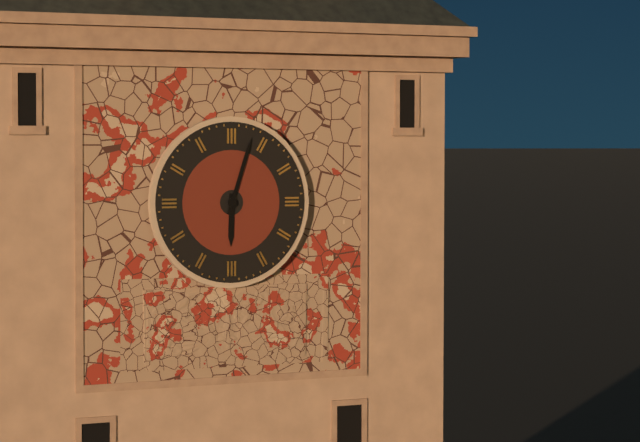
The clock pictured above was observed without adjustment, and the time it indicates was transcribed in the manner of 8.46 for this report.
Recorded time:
6.03
